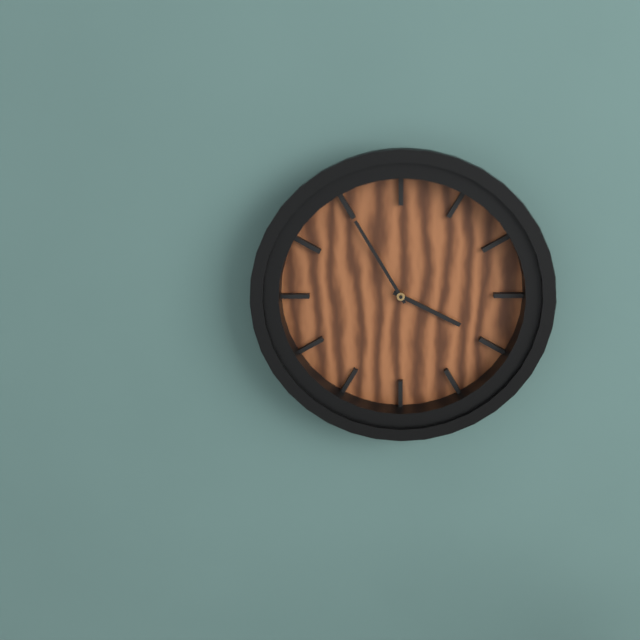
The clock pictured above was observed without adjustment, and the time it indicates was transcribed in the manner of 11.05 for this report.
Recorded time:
3.55
